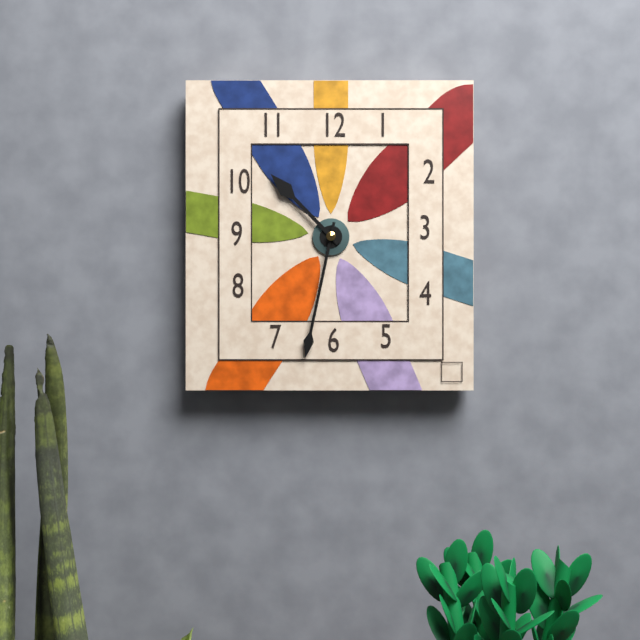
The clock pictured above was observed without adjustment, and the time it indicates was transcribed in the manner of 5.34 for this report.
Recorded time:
10.32
